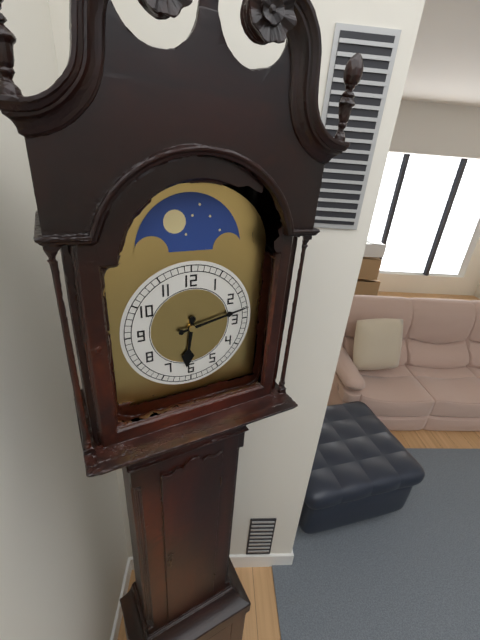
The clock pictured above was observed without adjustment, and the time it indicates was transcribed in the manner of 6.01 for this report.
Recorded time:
6.13
